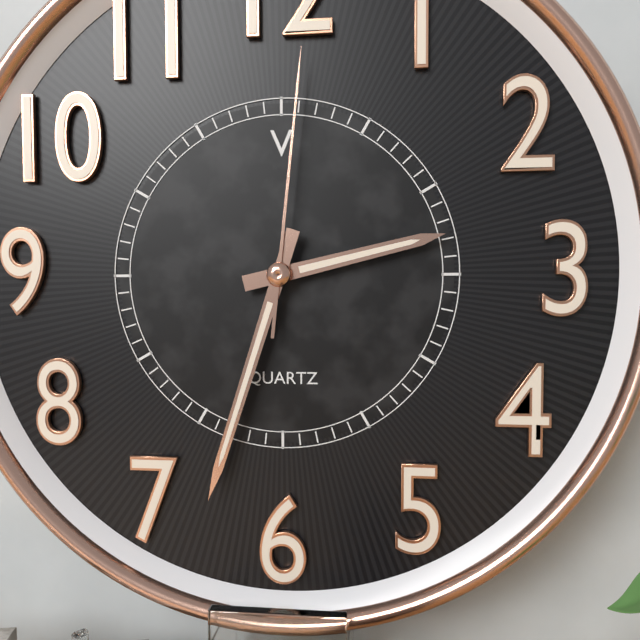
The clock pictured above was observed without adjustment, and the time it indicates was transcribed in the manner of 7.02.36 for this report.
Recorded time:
2.33.01
